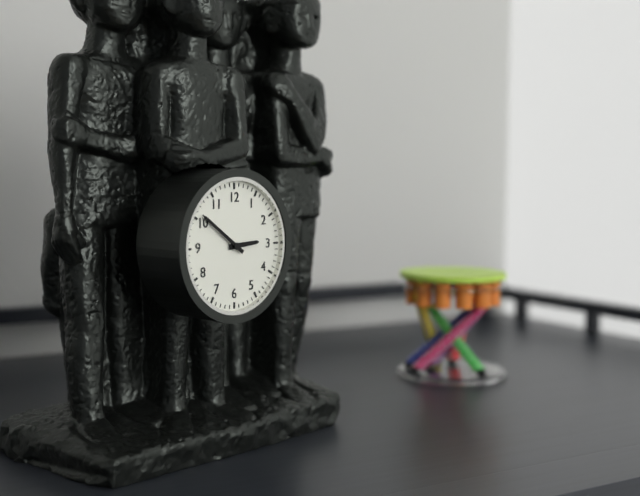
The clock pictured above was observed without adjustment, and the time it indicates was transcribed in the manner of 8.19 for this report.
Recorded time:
2.51
